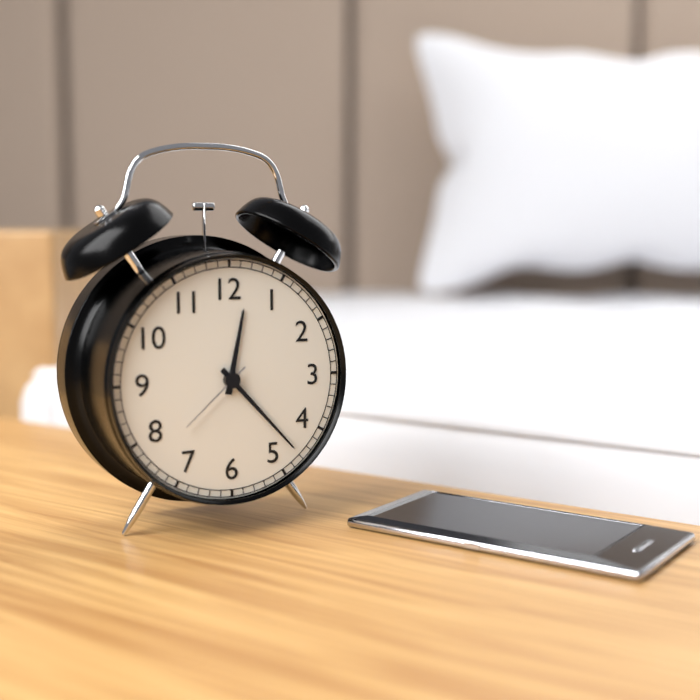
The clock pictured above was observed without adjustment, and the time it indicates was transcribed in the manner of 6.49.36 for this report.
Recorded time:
12.23.38
